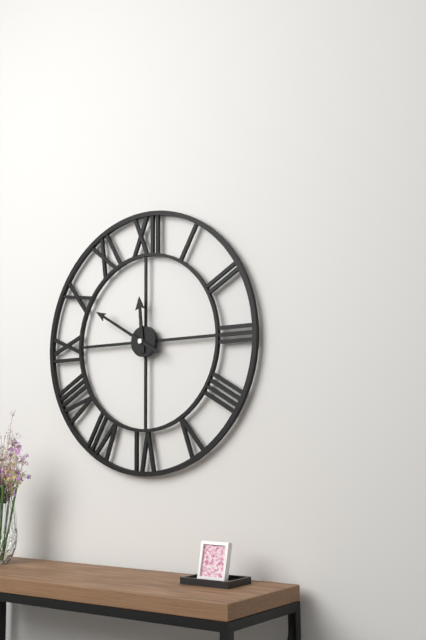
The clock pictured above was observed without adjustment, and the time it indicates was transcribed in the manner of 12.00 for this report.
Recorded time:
11.50
